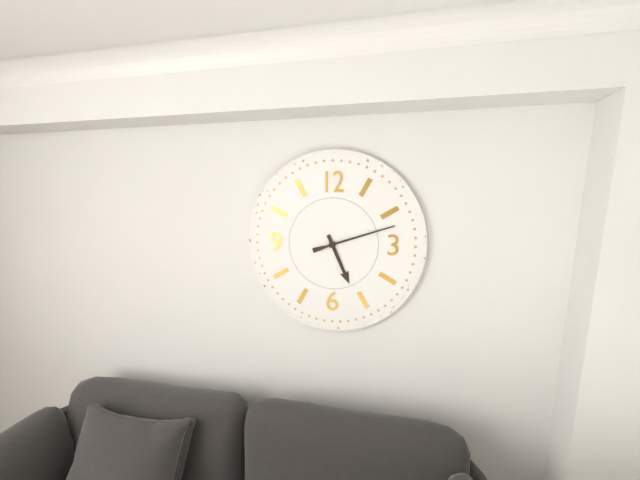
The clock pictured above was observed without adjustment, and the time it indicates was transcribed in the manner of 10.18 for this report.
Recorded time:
5.12
